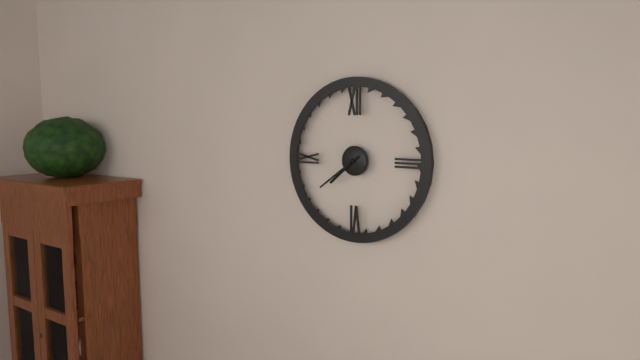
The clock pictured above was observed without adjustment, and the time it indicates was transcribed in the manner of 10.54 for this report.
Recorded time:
7.39
